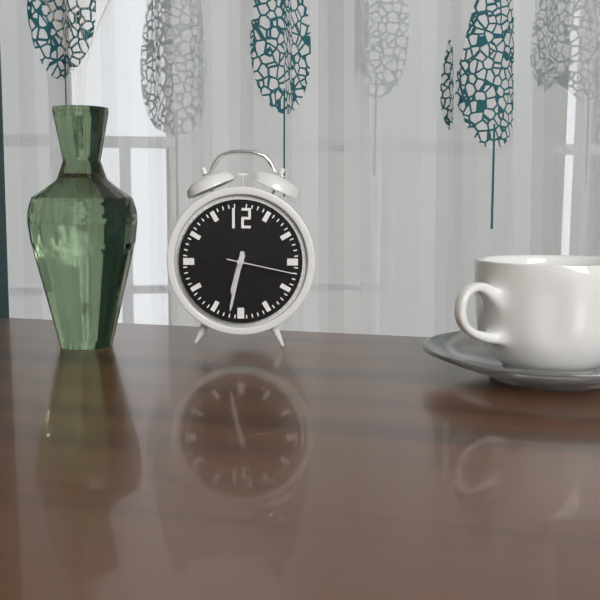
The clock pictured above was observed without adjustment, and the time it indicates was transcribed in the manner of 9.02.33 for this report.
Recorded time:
6.32.17
